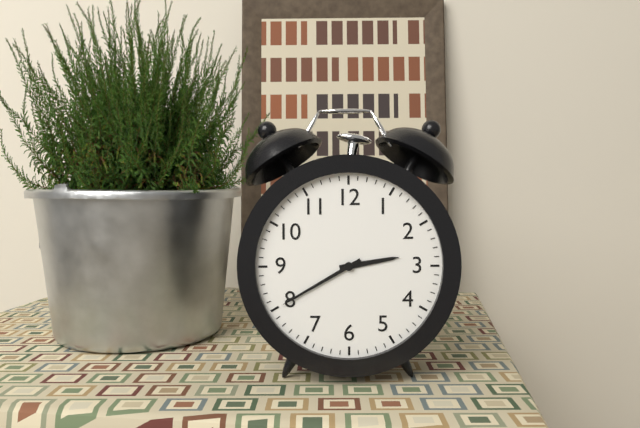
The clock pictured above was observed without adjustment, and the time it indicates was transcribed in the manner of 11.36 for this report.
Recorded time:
2.40
